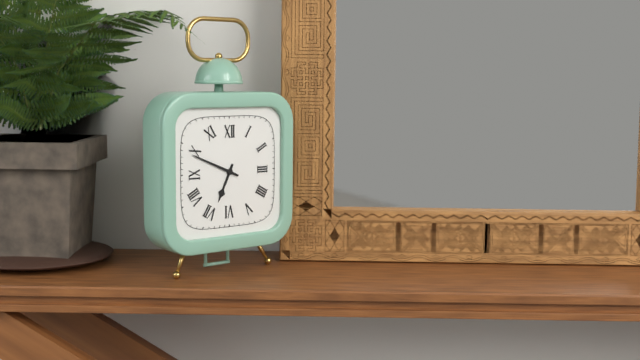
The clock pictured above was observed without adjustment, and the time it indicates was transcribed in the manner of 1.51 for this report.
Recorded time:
6.49
